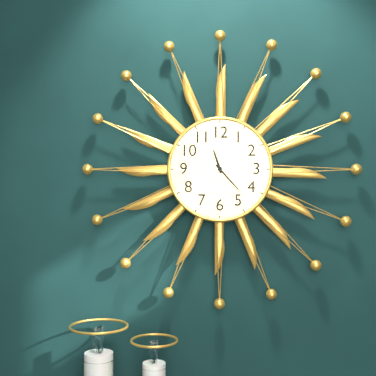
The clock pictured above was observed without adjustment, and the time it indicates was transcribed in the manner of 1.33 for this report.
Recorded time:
11.23
